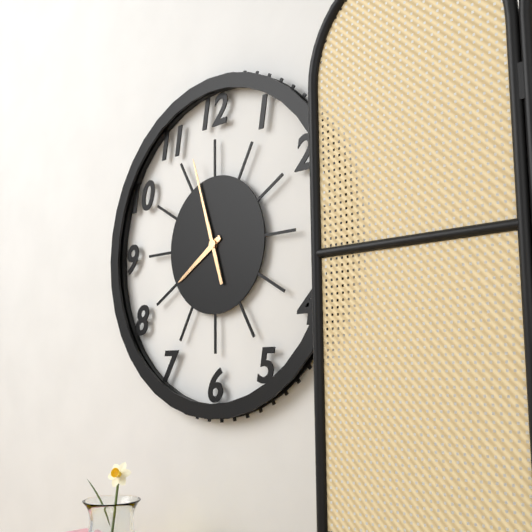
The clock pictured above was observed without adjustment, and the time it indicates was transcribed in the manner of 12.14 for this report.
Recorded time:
7.57
